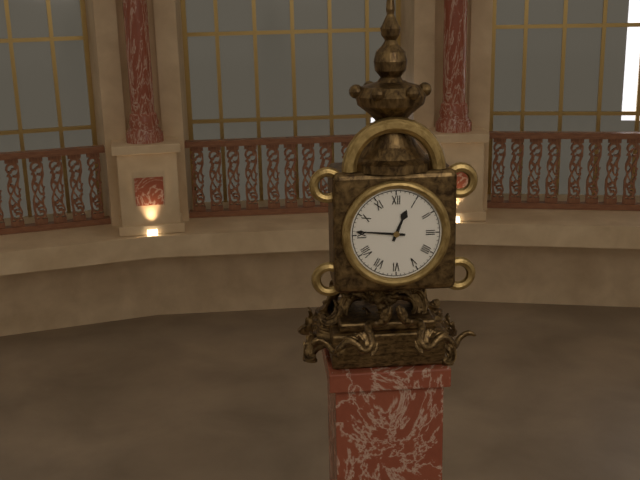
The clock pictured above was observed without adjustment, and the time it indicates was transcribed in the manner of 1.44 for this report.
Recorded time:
12.46
